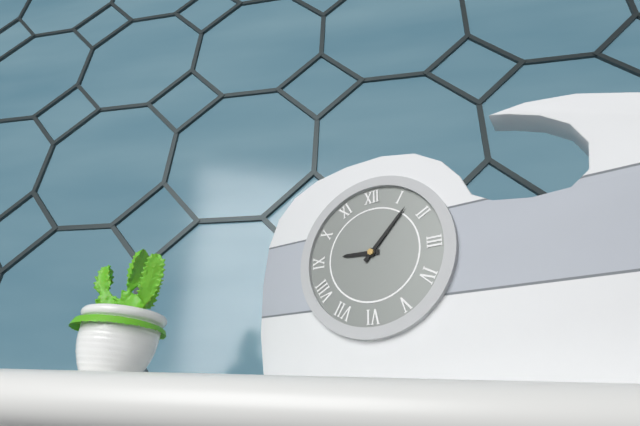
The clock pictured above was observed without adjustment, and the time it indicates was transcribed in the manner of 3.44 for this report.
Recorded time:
9.07
